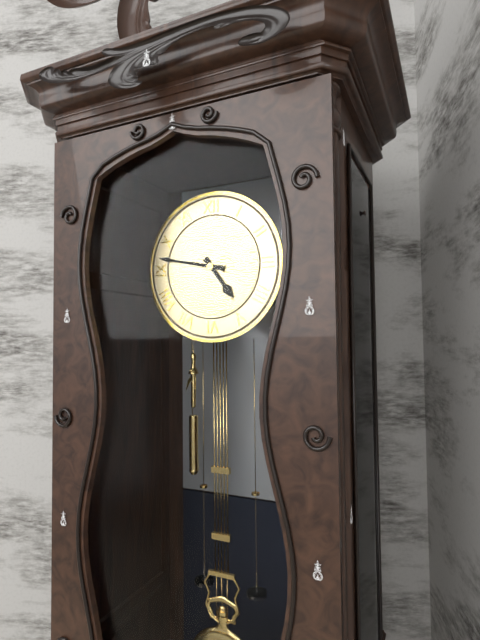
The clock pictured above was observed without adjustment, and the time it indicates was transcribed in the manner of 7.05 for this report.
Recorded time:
4.47
